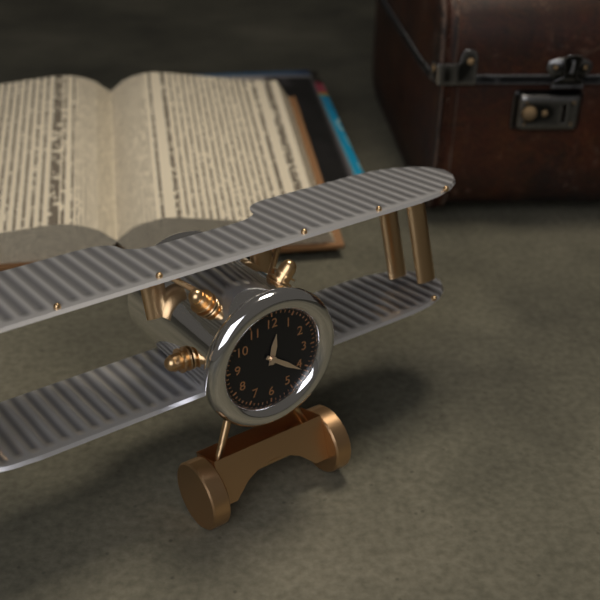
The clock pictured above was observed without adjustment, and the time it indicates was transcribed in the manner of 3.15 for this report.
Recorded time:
12.21
